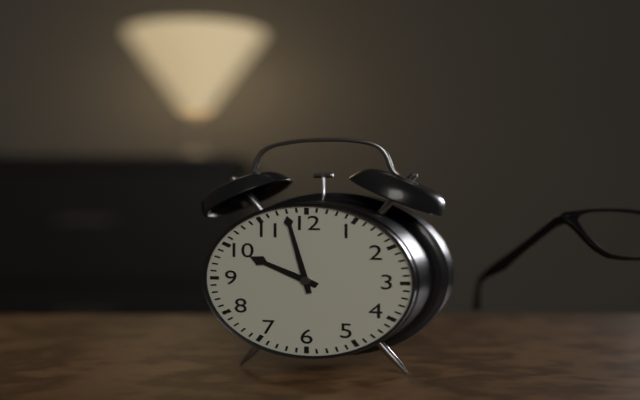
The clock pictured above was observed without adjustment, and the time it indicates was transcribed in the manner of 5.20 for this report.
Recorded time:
9.58
